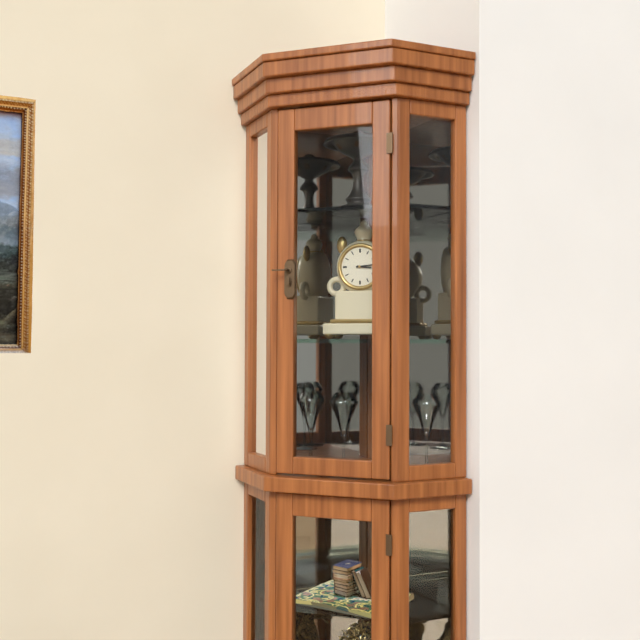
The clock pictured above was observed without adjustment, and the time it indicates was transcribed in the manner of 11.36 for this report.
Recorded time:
3.14
